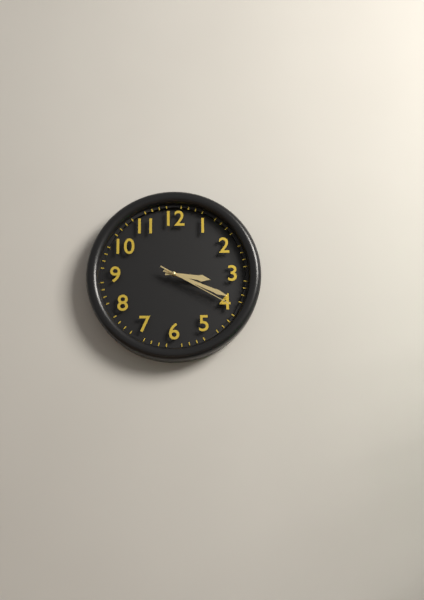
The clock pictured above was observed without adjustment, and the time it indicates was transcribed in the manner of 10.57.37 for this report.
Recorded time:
3.19.20
